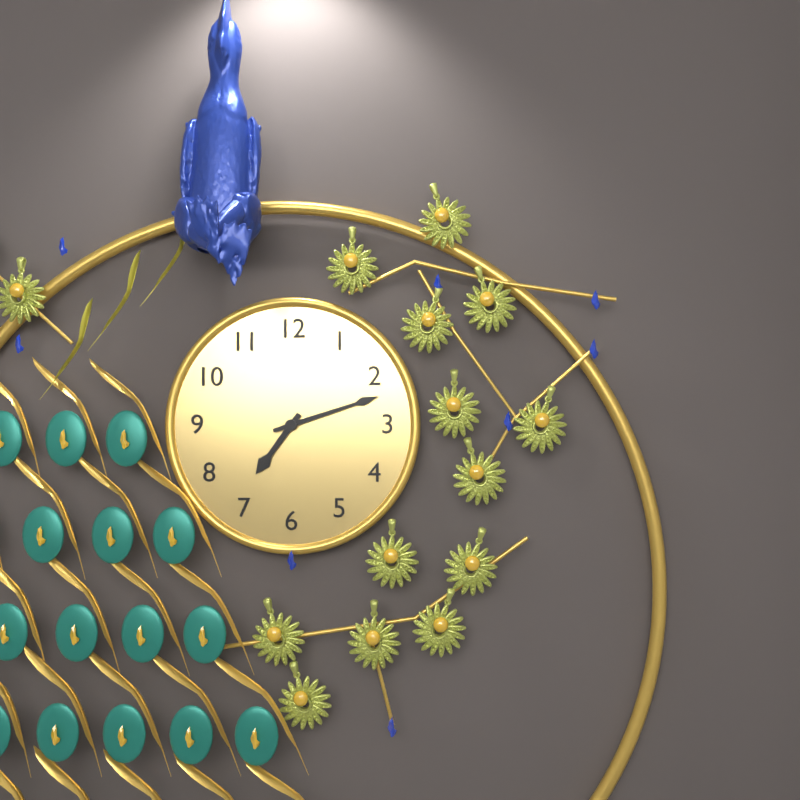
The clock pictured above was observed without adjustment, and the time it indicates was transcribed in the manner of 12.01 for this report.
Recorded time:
7.12
